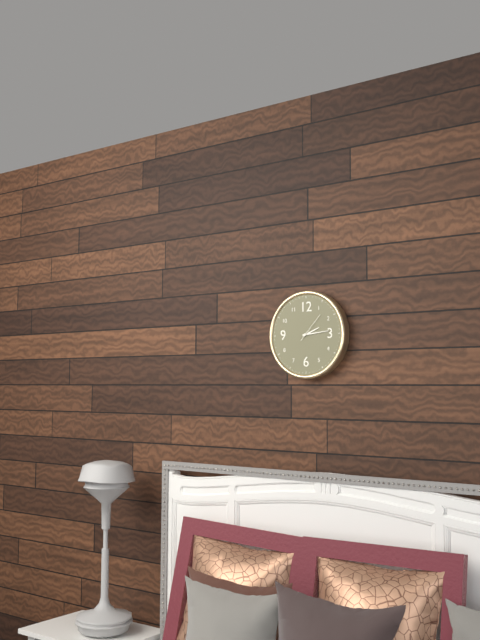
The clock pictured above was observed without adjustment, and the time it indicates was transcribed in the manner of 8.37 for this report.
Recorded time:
2.14
